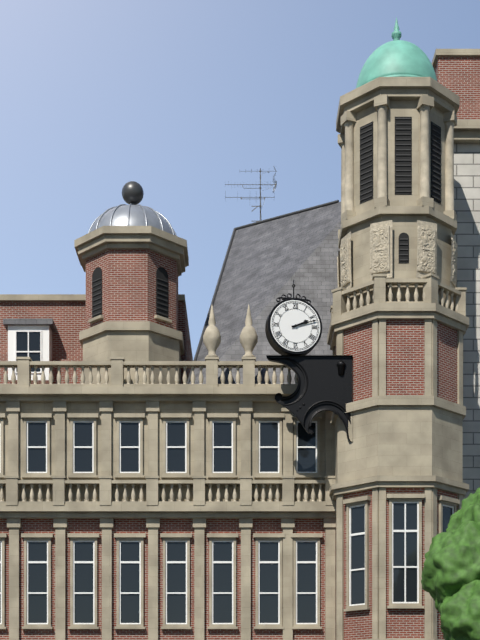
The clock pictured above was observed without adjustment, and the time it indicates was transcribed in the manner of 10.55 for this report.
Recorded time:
2.12
